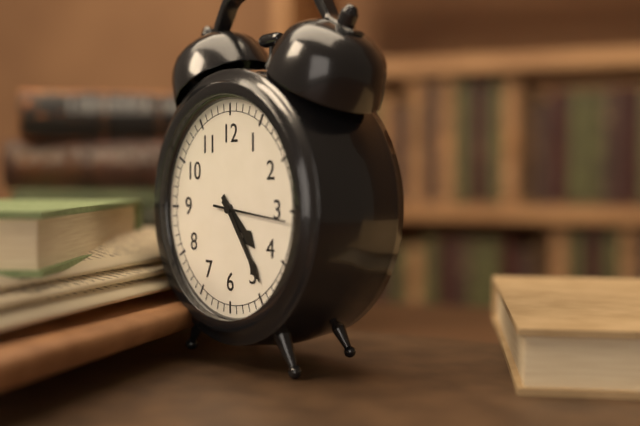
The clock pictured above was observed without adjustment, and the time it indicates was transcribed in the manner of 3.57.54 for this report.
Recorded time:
4.24.16
